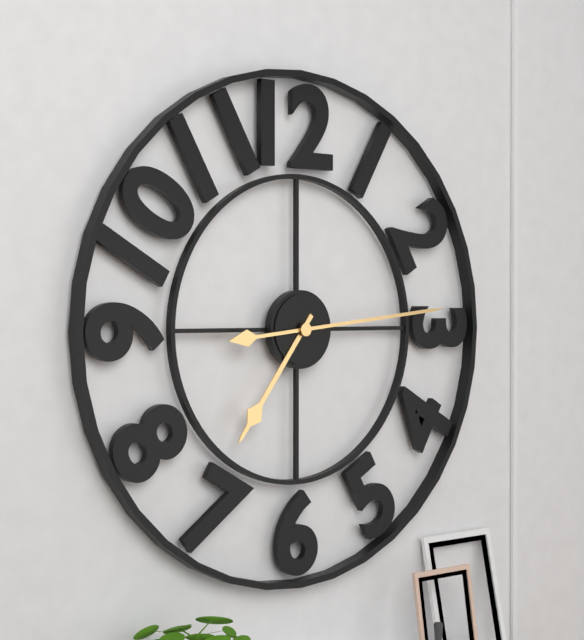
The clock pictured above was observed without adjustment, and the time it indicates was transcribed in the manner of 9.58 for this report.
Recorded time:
7.14
